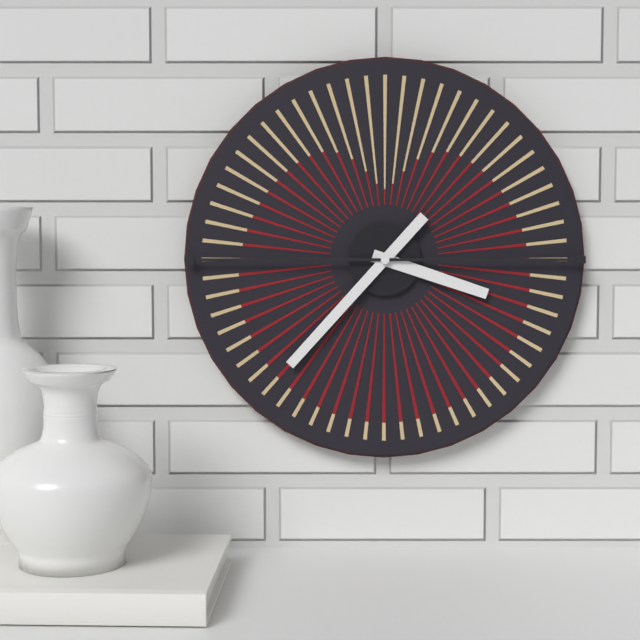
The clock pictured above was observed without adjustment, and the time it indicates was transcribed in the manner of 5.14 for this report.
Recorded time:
3.37
